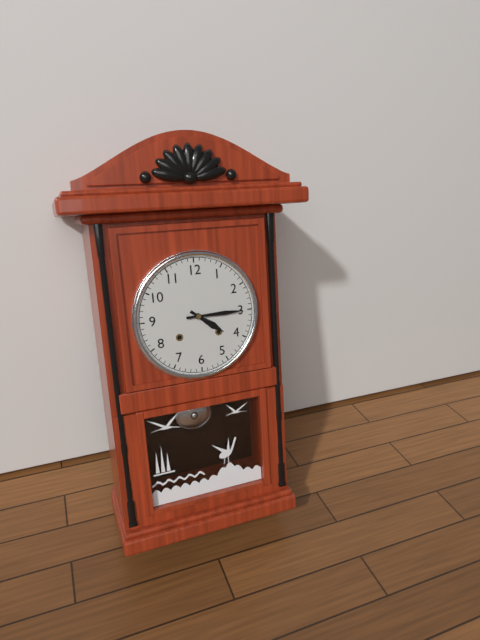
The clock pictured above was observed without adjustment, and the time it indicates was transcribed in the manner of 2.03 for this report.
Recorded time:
4.15
